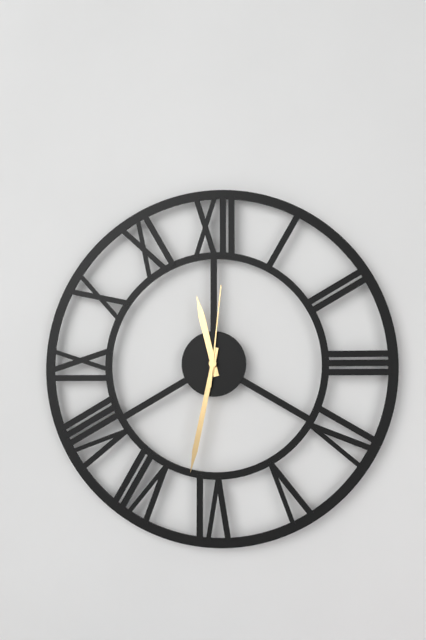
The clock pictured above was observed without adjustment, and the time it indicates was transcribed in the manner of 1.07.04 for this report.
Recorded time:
11.32.01
